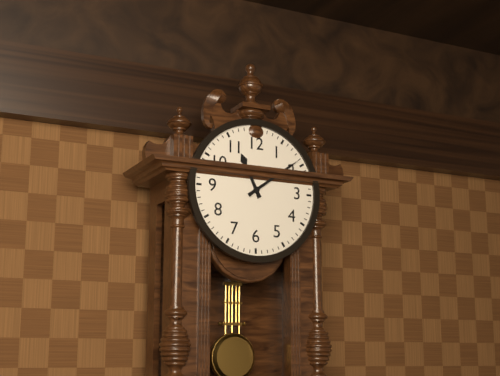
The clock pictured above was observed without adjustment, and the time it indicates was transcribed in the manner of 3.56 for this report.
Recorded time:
11.09
